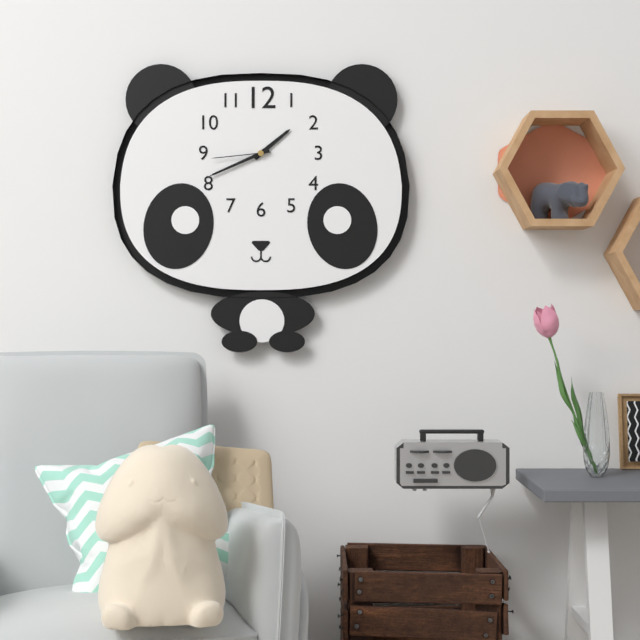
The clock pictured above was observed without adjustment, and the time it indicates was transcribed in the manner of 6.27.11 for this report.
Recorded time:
1.41.44
